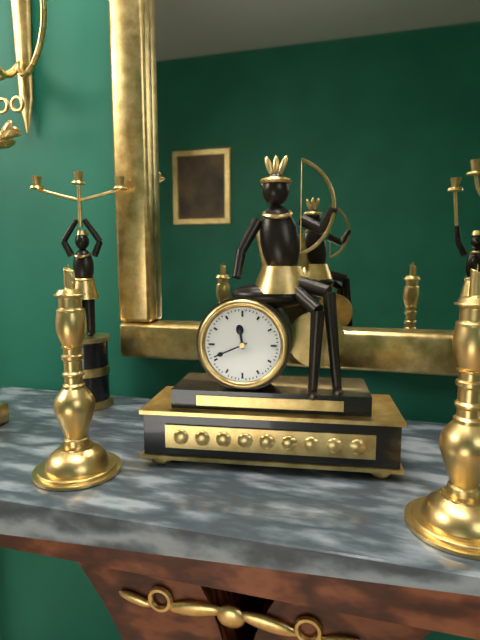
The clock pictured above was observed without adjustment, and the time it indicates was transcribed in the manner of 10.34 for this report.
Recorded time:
11.41
